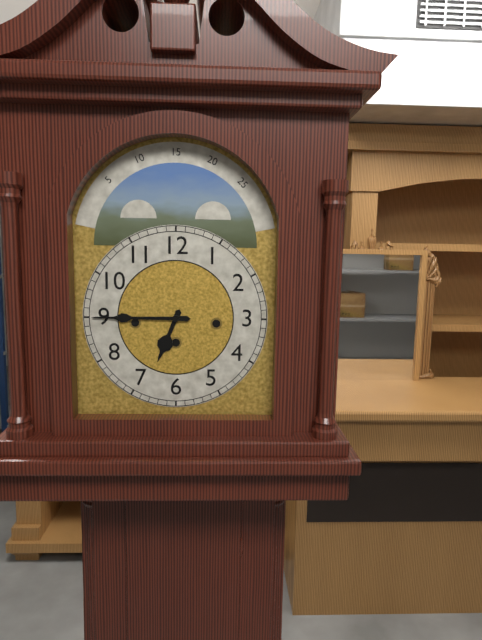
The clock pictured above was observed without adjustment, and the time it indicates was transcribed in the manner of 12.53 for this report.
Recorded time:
6.45
